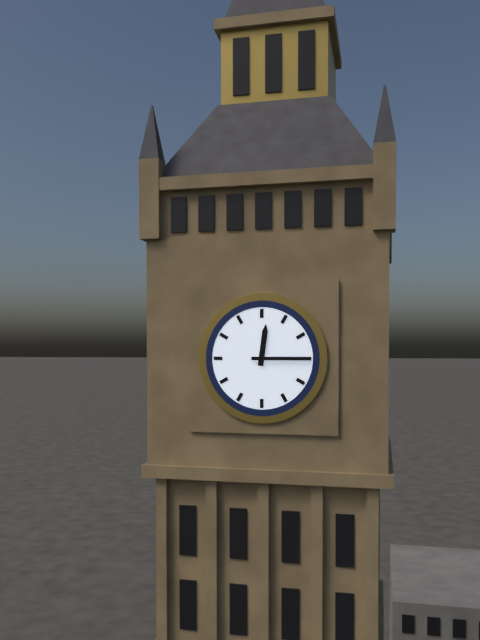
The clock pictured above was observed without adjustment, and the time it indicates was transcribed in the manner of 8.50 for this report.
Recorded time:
12.15
